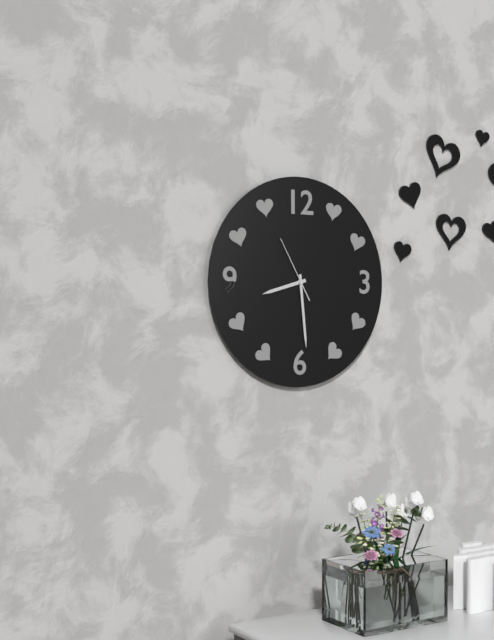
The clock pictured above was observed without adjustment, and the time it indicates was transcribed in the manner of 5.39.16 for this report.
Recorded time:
8.29.55
